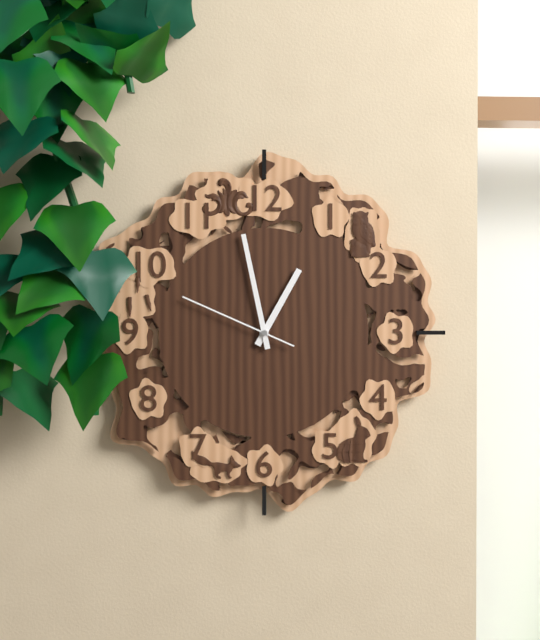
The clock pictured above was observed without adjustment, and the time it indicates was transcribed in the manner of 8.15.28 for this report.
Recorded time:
12.58.49
